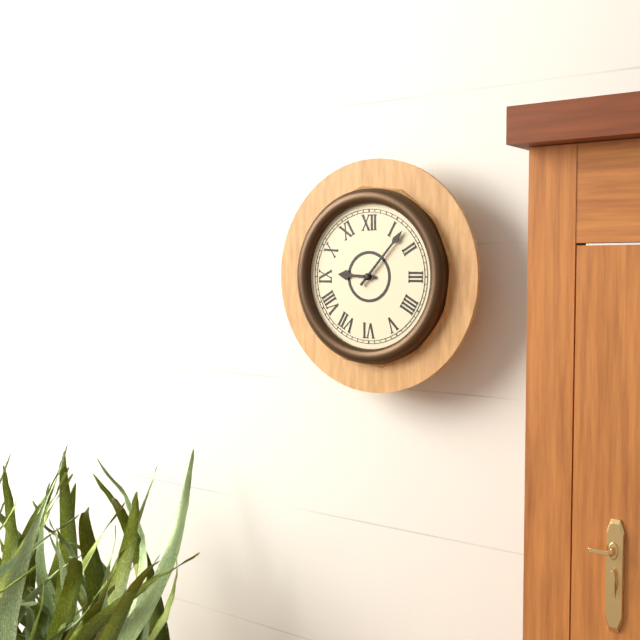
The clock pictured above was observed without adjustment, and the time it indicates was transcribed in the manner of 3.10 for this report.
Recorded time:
9.07
